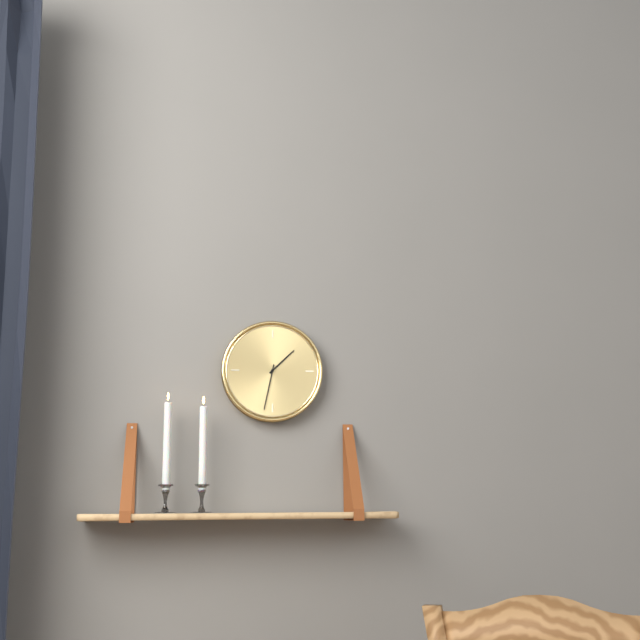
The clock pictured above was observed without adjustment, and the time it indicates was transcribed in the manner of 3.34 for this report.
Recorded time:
1.32
